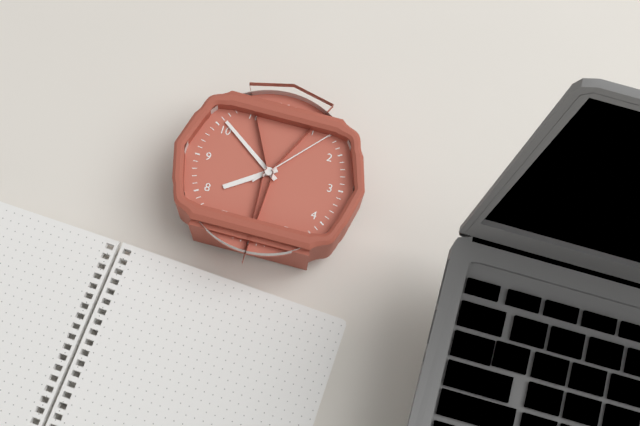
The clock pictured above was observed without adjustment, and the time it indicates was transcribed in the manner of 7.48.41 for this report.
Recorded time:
7.51.07
